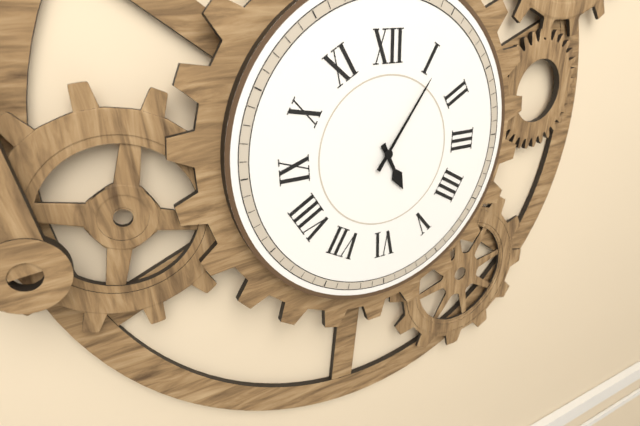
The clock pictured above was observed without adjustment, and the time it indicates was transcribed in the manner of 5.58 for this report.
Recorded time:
5.06
